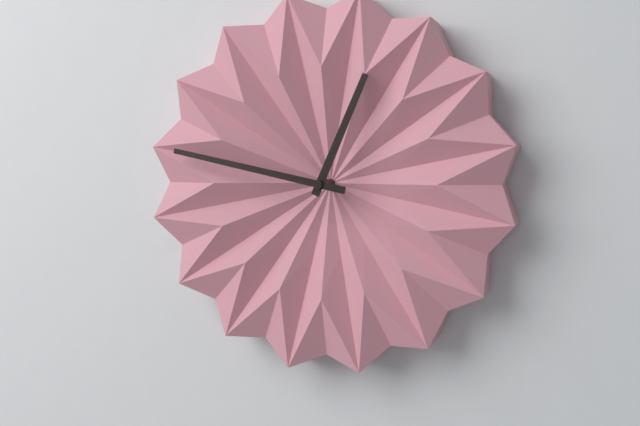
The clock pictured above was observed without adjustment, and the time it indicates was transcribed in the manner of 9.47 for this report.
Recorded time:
12.47
